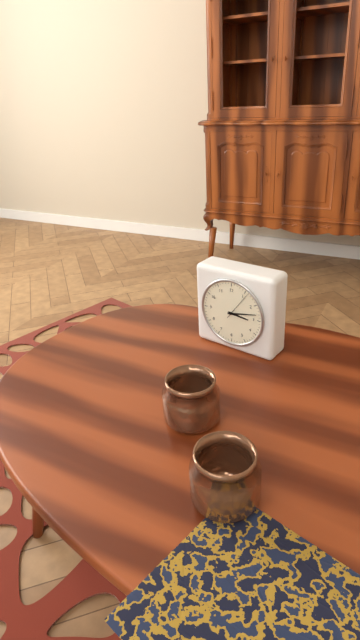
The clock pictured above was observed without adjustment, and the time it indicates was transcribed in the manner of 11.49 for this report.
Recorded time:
3.13
